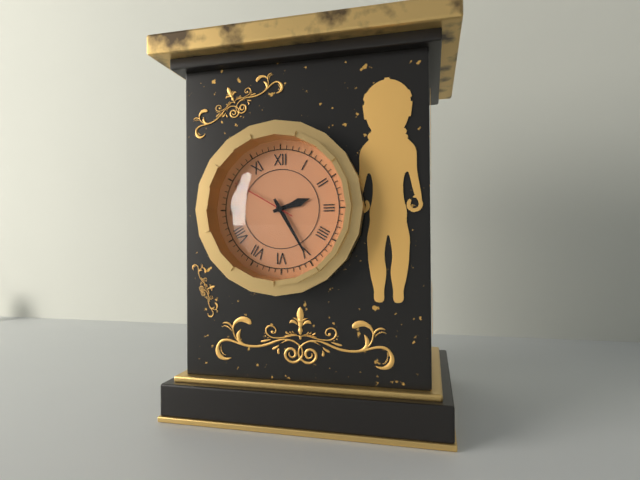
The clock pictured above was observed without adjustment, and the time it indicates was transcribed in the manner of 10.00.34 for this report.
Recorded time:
2.25.50
